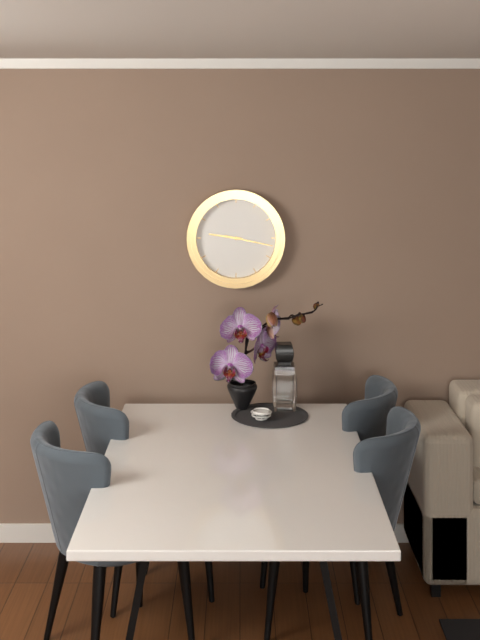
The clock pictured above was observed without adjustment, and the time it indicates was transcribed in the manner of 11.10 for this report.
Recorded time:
9.17
